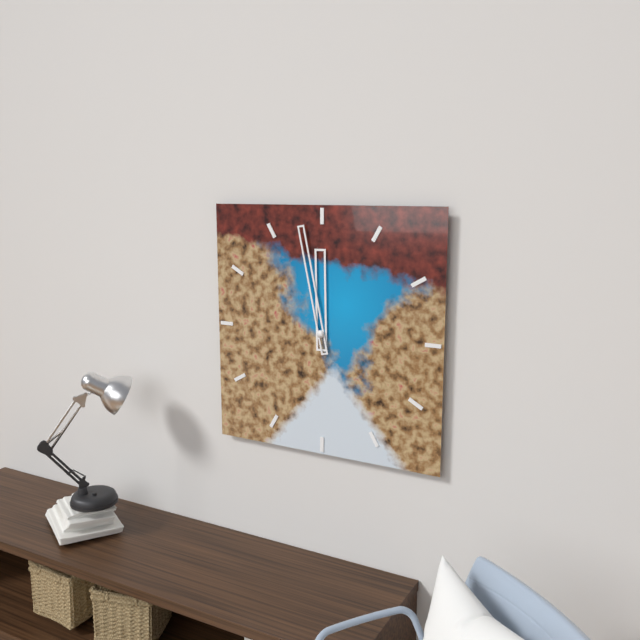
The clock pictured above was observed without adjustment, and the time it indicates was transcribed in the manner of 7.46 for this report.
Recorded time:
11.58
